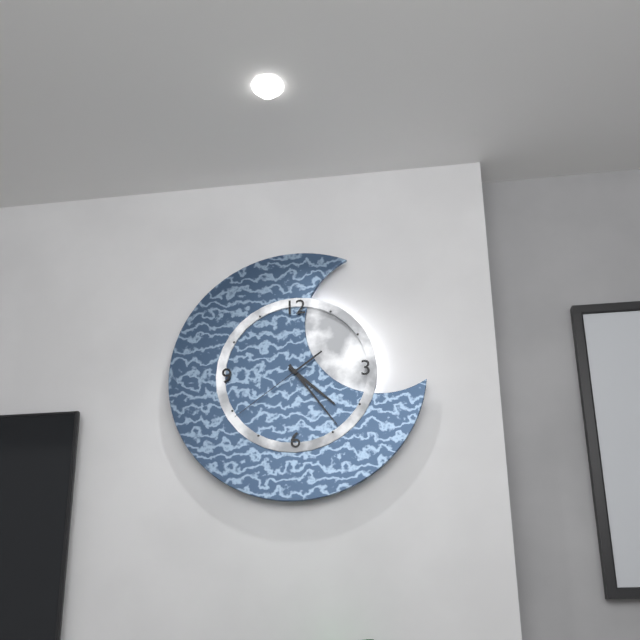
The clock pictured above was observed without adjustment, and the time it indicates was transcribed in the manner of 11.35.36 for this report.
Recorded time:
4.24.39
